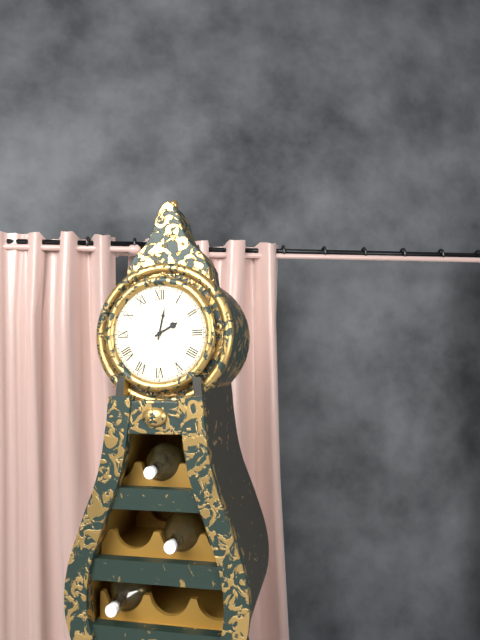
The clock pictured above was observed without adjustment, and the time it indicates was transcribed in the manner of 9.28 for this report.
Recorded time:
2.02
